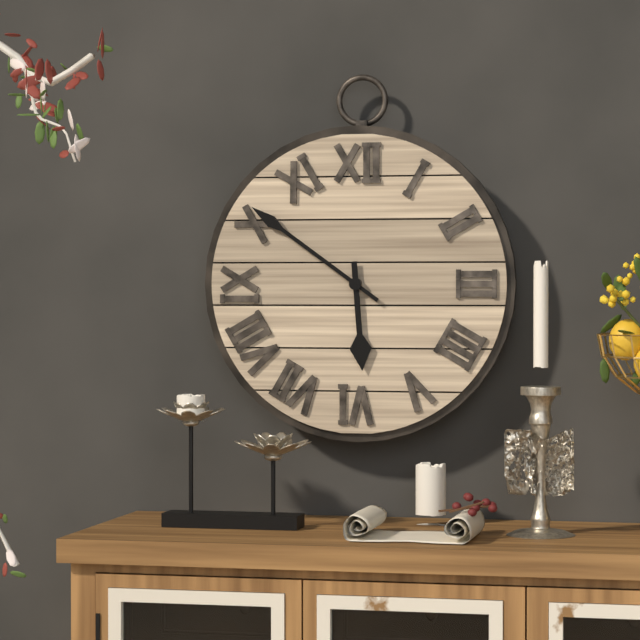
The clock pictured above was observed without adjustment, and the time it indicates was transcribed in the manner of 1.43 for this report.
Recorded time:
5.51
